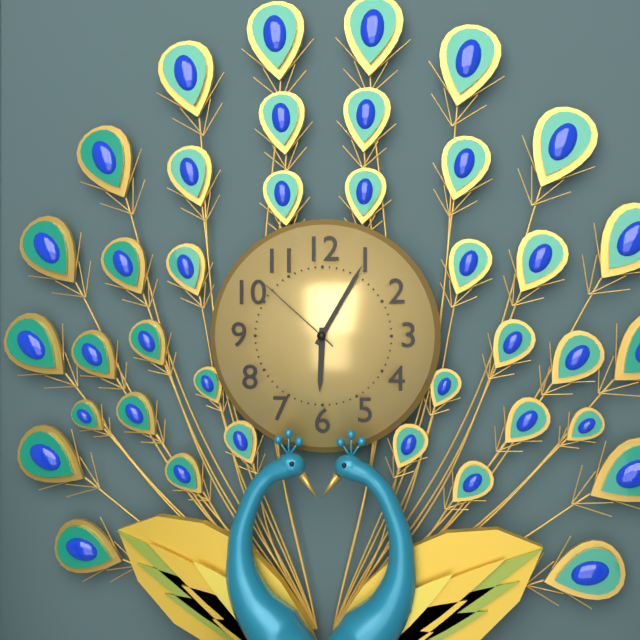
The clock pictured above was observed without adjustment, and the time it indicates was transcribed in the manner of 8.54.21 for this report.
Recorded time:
6.05.52
